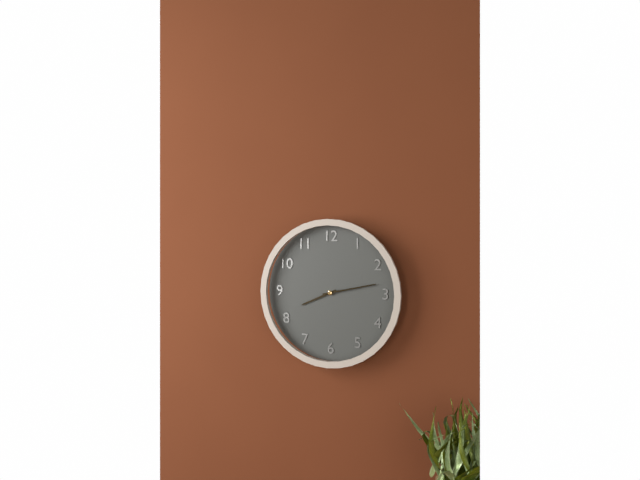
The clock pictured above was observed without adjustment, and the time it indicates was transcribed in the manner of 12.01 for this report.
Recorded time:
8.13
